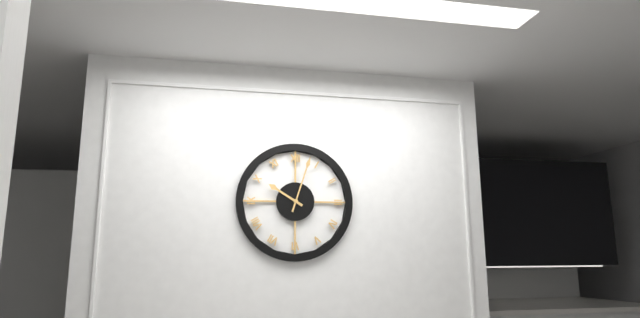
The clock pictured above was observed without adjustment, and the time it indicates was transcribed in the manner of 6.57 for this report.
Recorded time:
10.03
